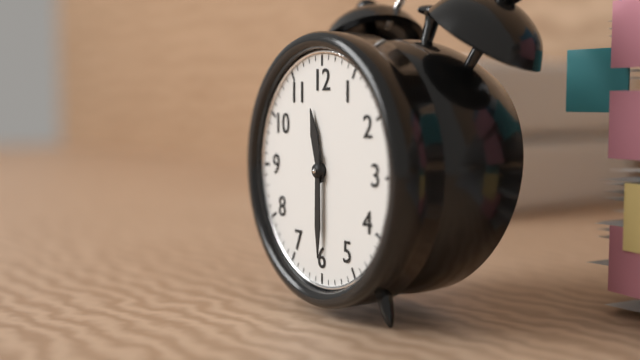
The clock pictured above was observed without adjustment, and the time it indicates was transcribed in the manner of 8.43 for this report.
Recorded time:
11.30
